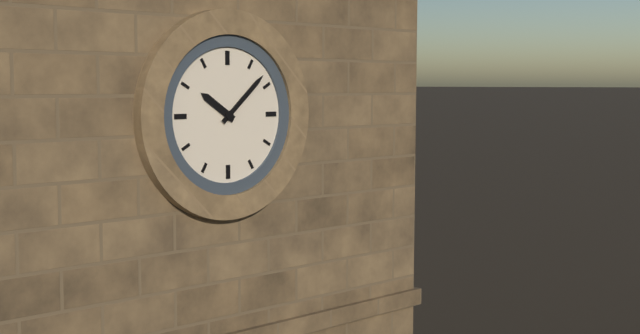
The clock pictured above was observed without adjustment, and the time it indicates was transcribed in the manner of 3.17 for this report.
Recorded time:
10.08
